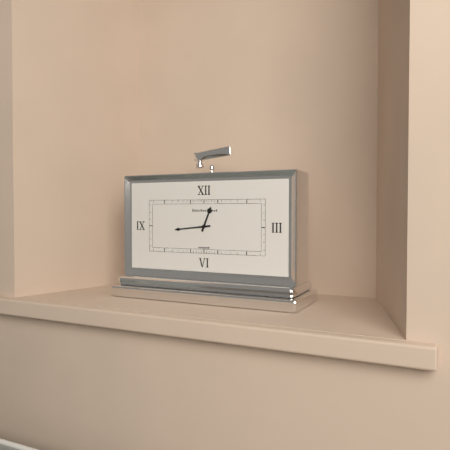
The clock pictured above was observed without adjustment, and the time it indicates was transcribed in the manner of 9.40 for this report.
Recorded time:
12.44
